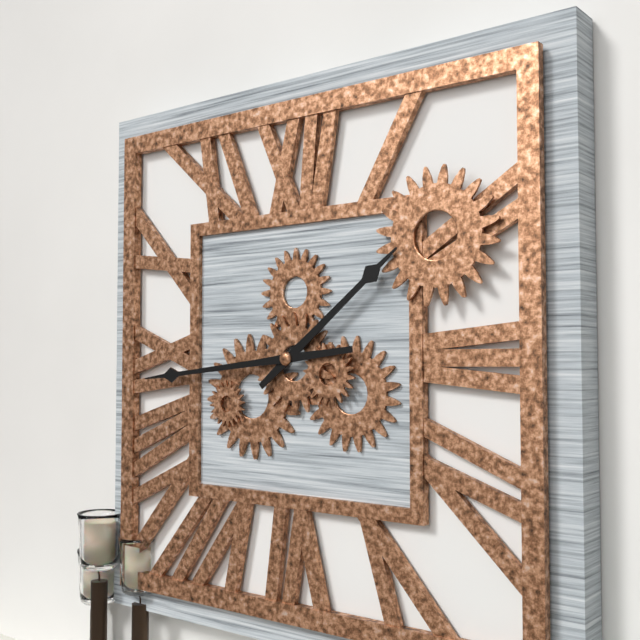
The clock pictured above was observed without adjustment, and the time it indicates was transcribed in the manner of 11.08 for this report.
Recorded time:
1.44
